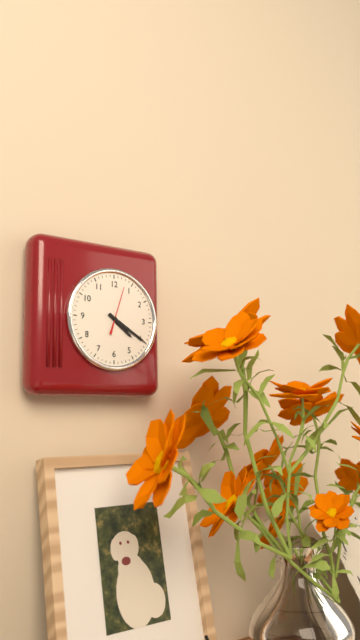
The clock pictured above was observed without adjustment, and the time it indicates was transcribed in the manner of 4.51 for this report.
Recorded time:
4.20
